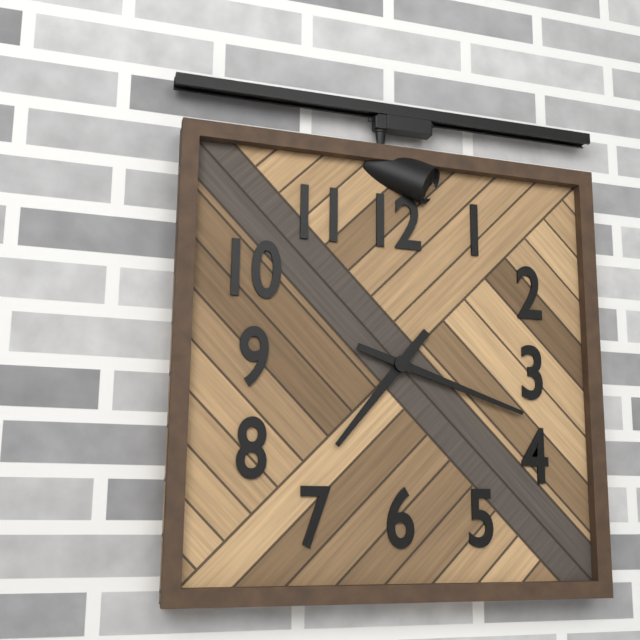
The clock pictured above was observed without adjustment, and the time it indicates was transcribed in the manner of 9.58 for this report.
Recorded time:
7.18
